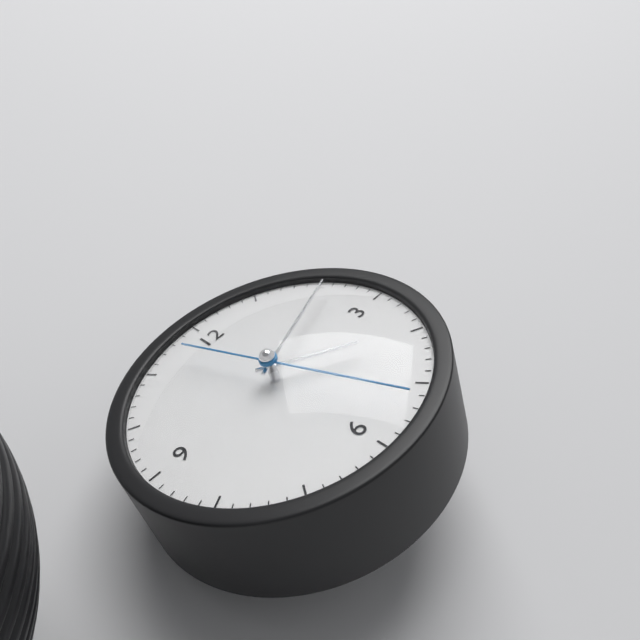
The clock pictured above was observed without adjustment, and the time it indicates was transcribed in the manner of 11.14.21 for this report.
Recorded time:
4.11.27
